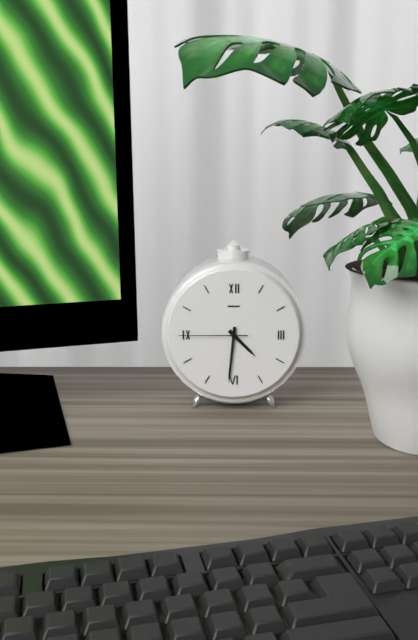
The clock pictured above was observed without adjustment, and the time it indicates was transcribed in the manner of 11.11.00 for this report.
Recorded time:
4.31.45
